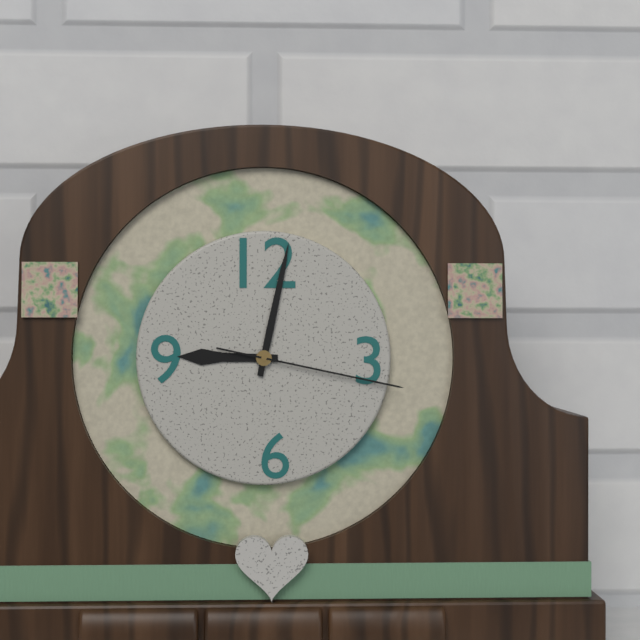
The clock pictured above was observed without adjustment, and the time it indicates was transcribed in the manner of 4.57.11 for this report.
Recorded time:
9.02.17
